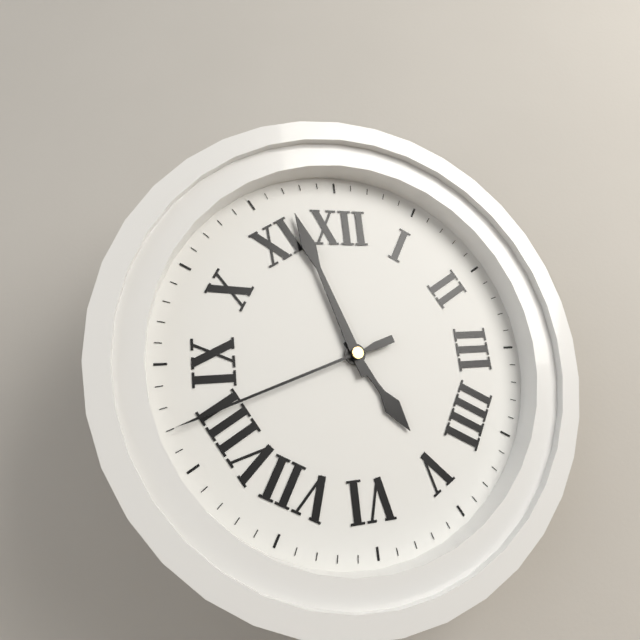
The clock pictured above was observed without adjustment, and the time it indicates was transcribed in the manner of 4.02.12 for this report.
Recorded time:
4.57.42
